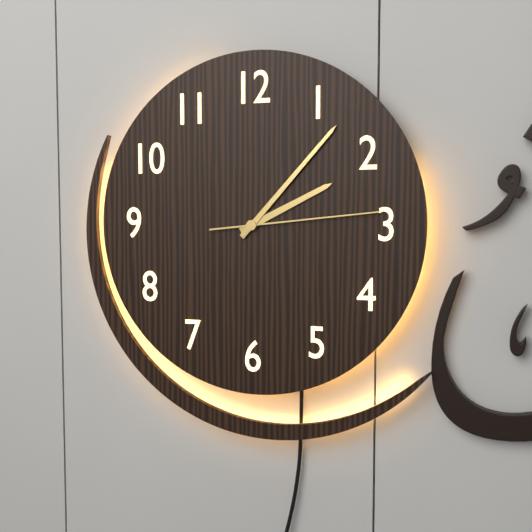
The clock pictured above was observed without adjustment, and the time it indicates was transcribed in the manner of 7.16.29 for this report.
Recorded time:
2.07.14
